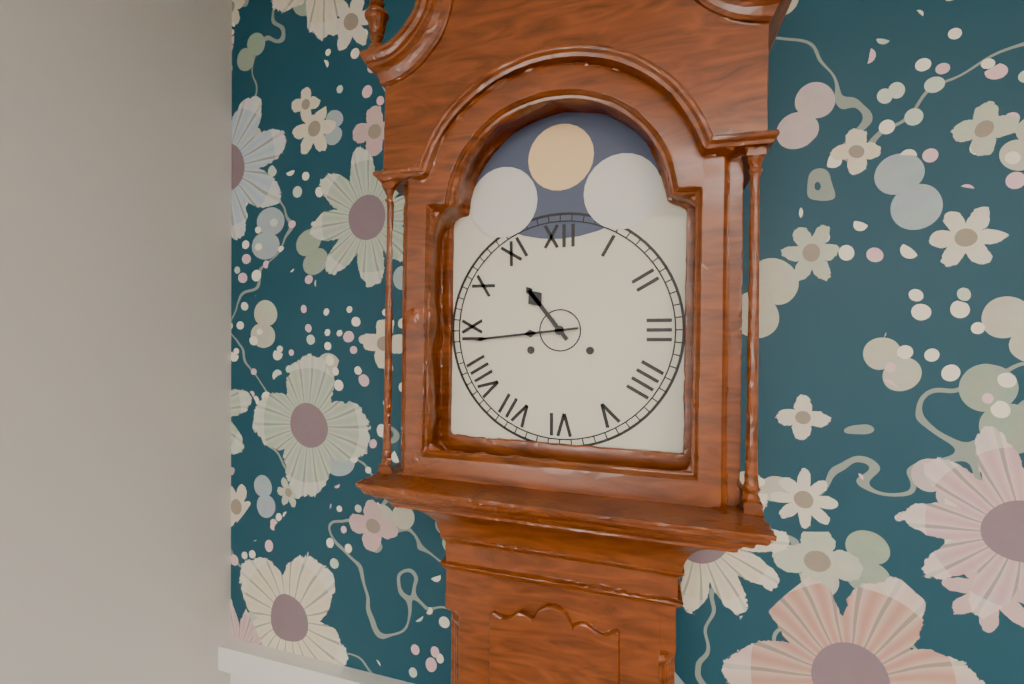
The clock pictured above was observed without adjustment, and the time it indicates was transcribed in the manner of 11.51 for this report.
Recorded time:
10.44
